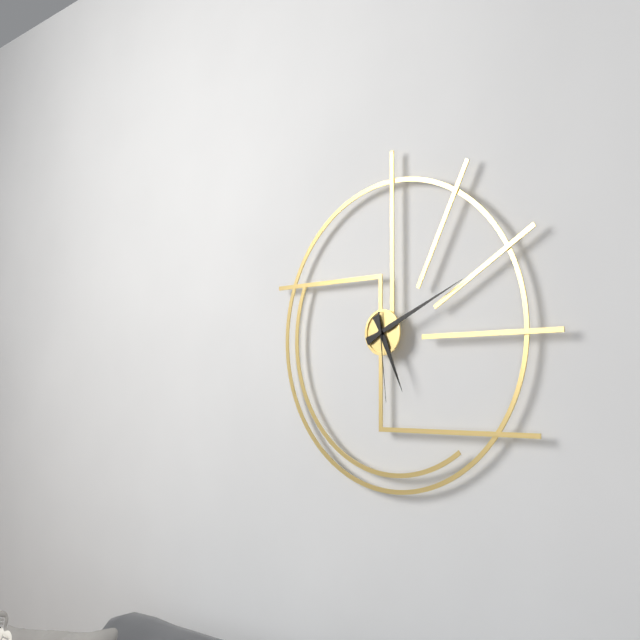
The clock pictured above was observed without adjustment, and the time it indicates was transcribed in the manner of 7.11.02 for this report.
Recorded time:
5.11.29
